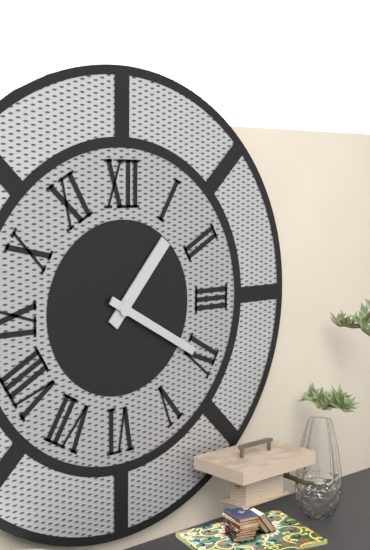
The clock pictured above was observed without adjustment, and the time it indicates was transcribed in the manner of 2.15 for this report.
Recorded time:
1.20
